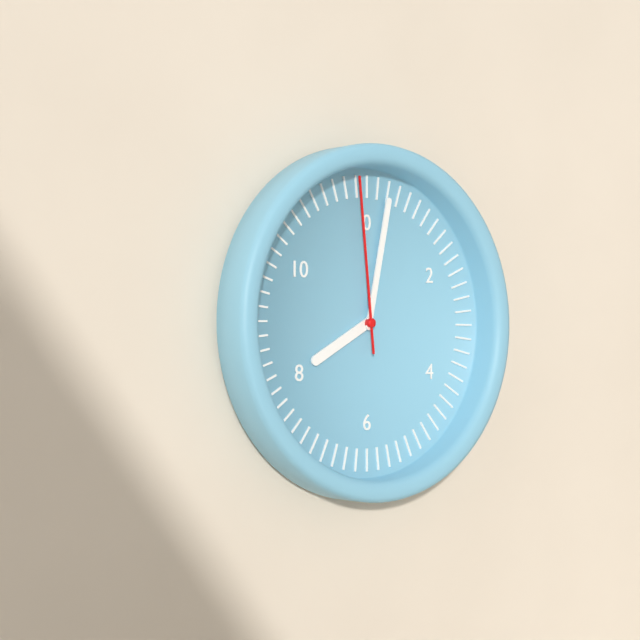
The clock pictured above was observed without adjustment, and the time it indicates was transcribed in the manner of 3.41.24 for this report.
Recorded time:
8.02.59
